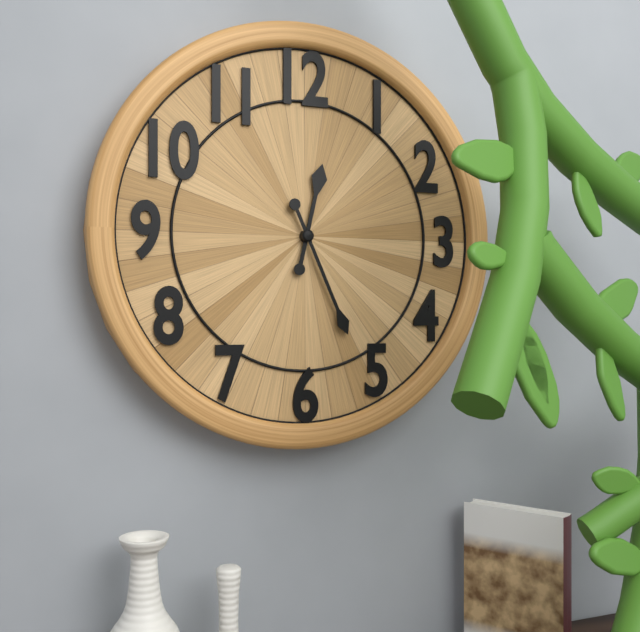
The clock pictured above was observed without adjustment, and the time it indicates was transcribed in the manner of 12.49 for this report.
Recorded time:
12.26
